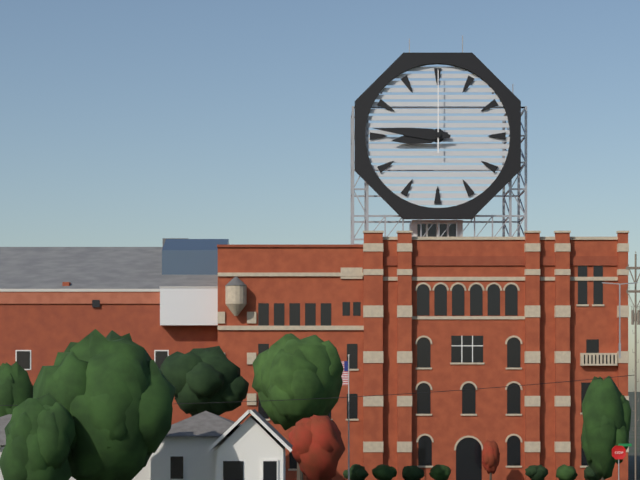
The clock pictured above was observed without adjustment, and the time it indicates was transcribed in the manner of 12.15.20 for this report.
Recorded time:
8.46.00
